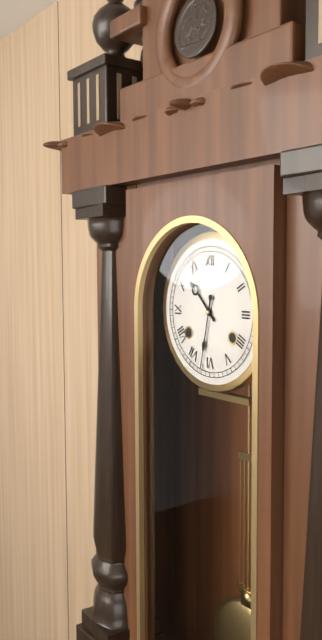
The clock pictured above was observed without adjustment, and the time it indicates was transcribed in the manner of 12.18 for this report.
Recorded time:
10.32
